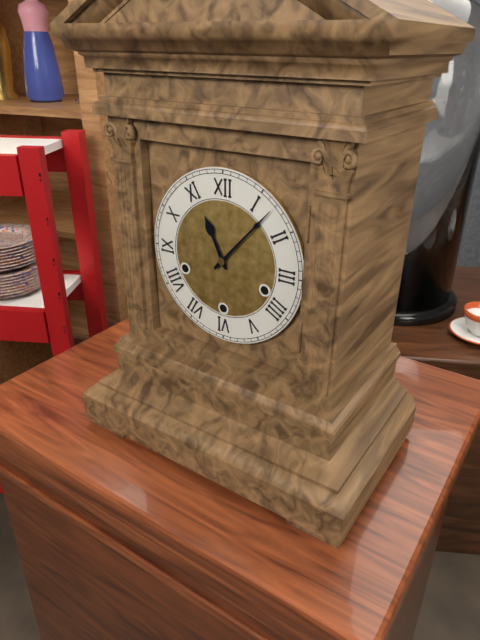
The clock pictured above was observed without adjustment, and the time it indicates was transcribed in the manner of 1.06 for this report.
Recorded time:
11.07
